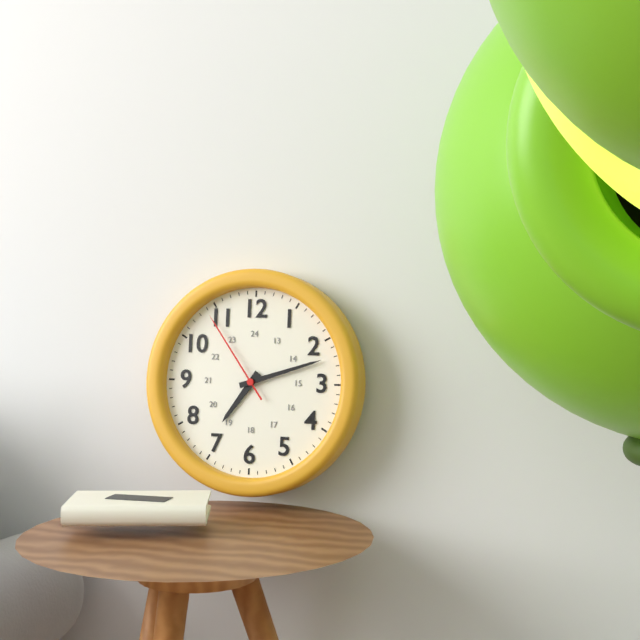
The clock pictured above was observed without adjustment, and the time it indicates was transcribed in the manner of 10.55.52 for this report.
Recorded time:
7.12.54
